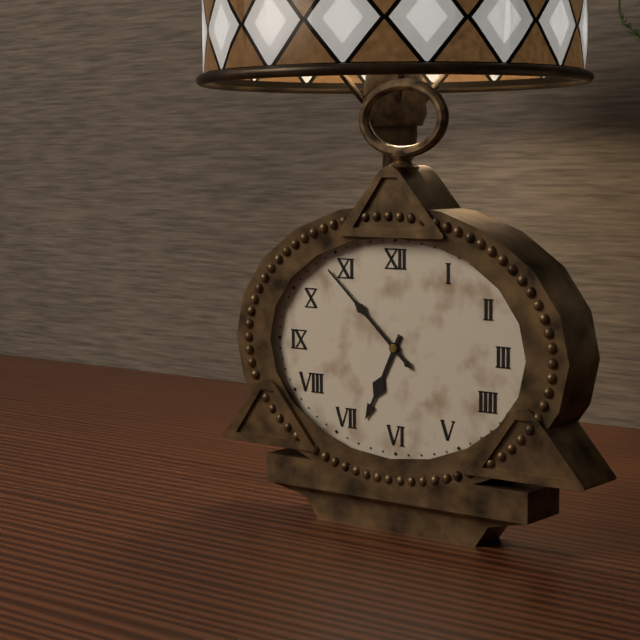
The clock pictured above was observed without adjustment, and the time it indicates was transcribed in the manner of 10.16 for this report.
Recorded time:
6.52
